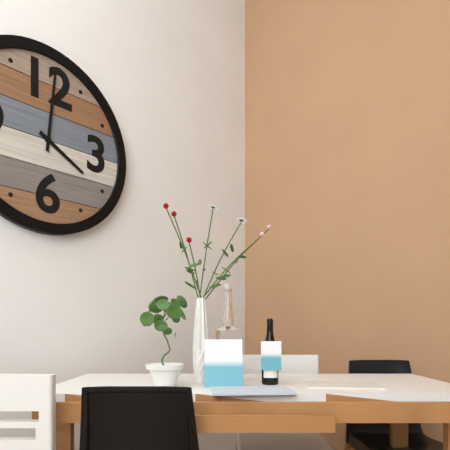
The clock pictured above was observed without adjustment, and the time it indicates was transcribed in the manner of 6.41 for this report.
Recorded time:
4.01
